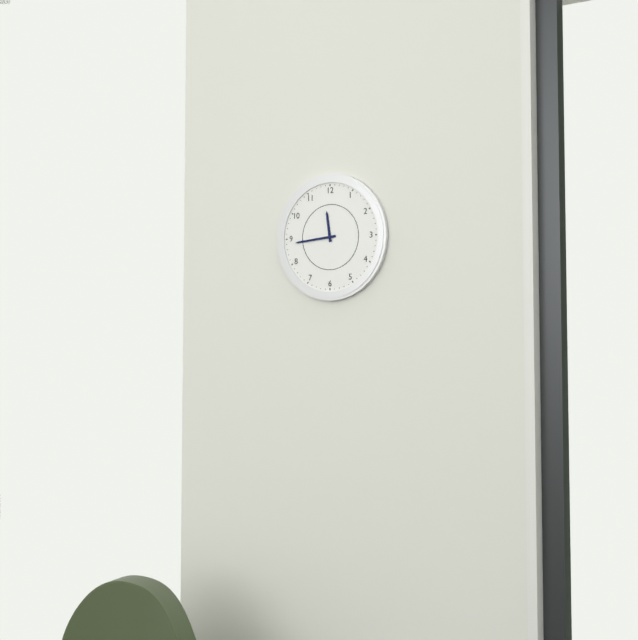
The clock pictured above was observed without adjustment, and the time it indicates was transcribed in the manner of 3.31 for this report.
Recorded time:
11.44
